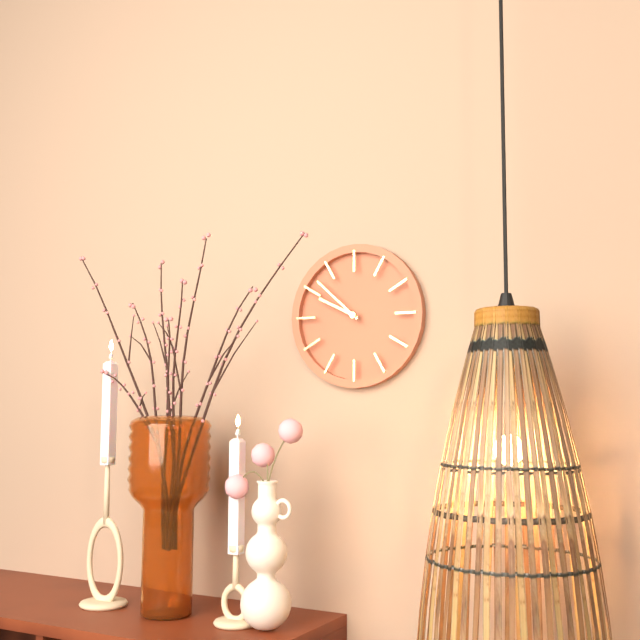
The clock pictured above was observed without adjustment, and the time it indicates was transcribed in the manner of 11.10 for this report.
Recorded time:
9.52
